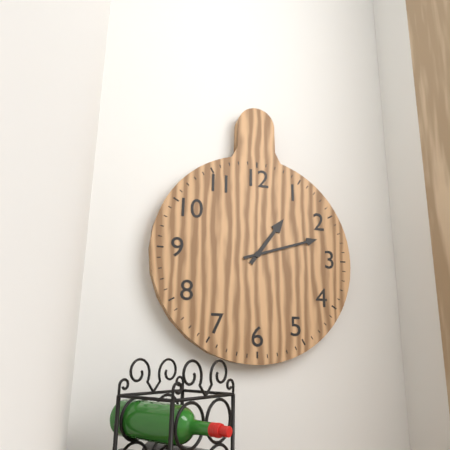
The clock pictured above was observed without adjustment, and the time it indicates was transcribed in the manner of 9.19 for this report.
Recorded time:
1.12
